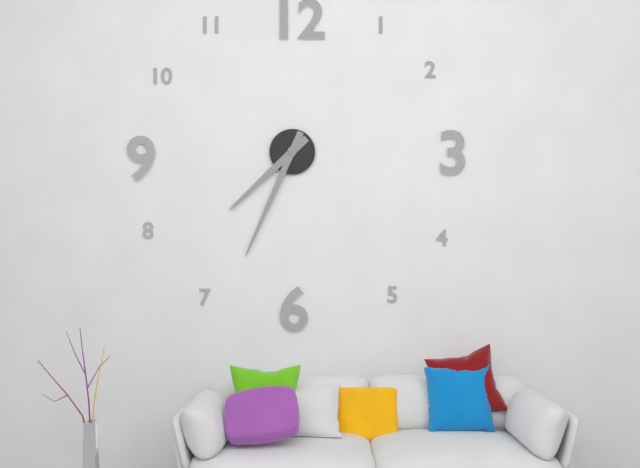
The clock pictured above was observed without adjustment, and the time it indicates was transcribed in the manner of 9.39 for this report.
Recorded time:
7.34
